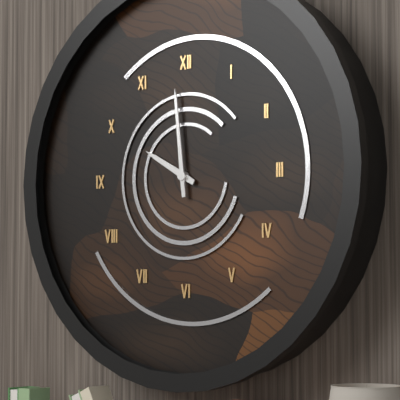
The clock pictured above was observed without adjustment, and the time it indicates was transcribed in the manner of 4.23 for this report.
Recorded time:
9.59
